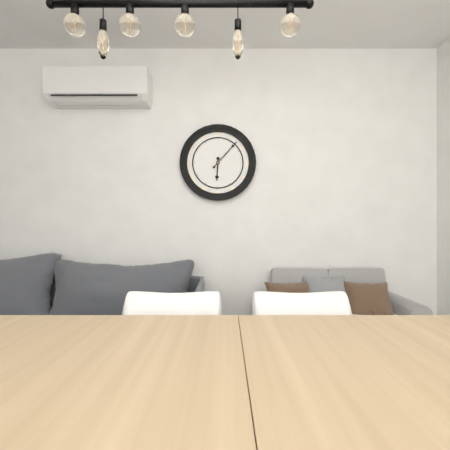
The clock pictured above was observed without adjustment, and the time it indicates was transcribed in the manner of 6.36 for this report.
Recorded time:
6.07
